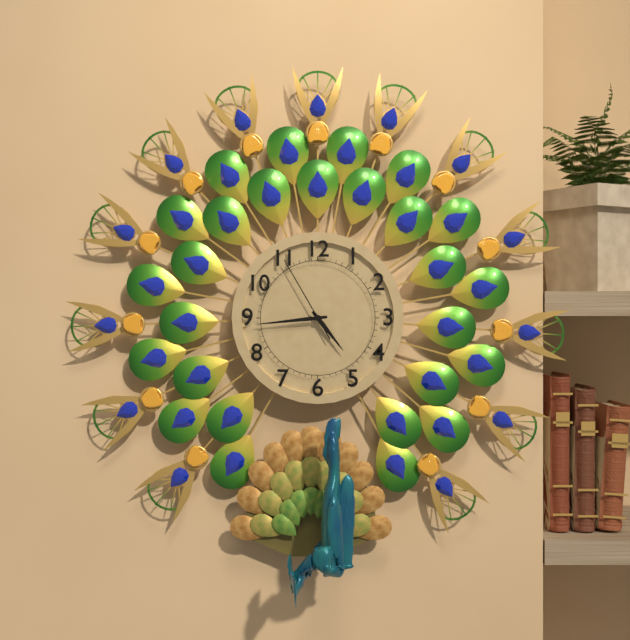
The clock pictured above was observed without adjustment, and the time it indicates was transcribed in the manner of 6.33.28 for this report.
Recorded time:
4.44.55
